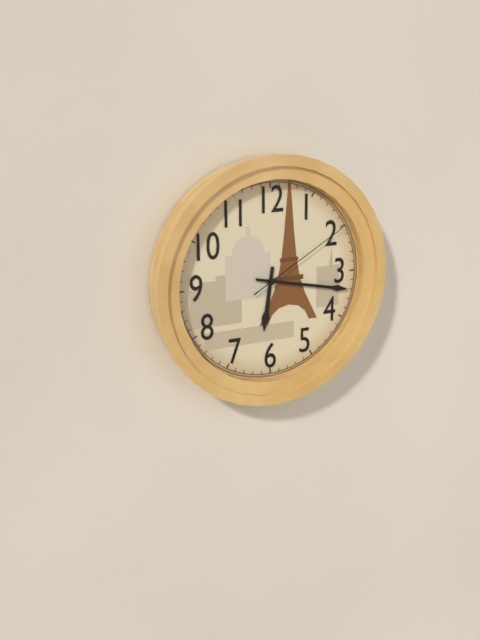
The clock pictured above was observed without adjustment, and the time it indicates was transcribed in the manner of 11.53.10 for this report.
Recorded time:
6.17.10
